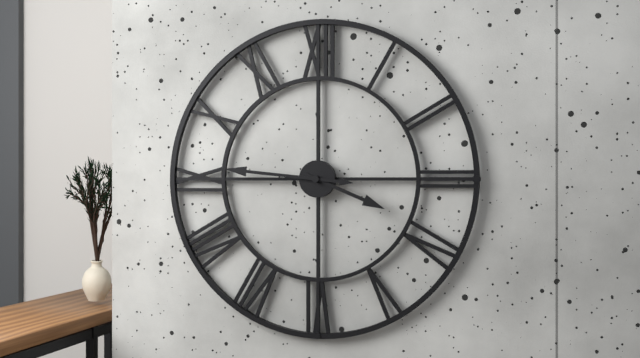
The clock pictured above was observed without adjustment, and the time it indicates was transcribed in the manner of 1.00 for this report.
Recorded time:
3.46
